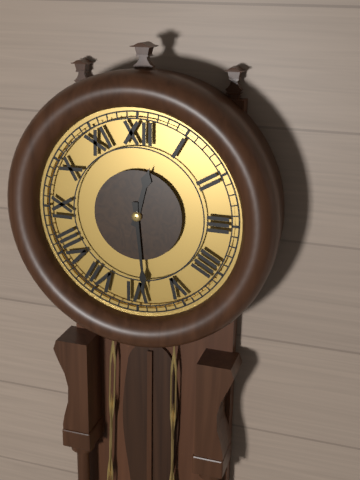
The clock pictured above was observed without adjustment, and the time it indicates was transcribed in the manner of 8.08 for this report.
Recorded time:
12.29
